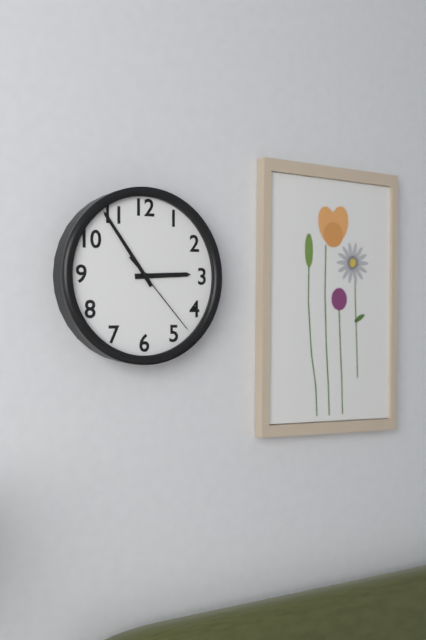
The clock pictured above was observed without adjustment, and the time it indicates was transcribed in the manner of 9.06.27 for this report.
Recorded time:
2.54.23
